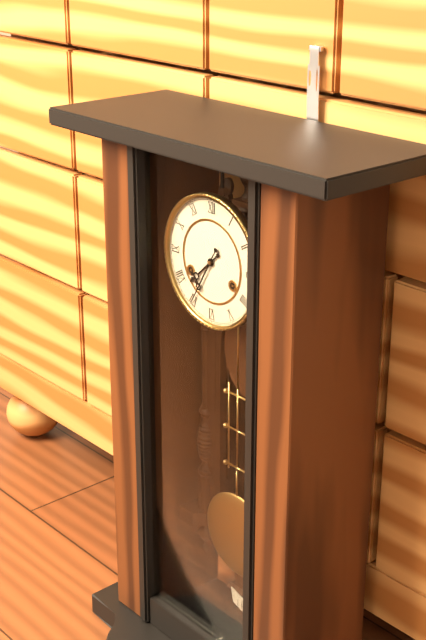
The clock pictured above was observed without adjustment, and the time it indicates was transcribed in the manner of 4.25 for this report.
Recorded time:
7.35
